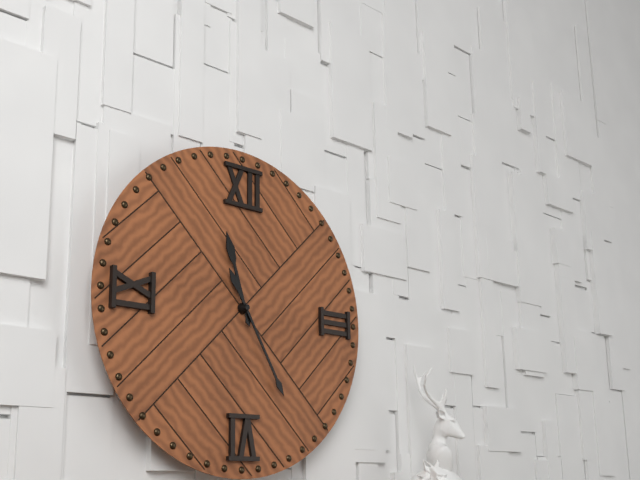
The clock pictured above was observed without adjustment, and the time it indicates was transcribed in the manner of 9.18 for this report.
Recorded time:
11.25
